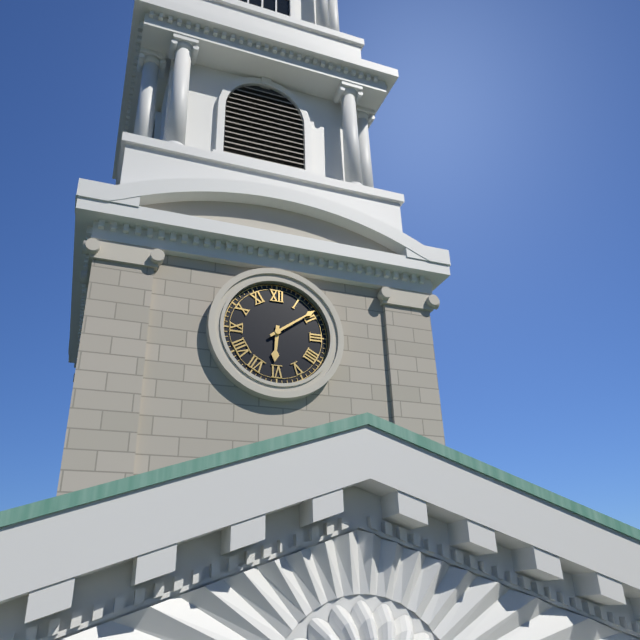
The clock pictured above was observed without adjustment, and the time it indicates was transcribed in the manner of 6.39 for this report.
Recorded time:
6.09
